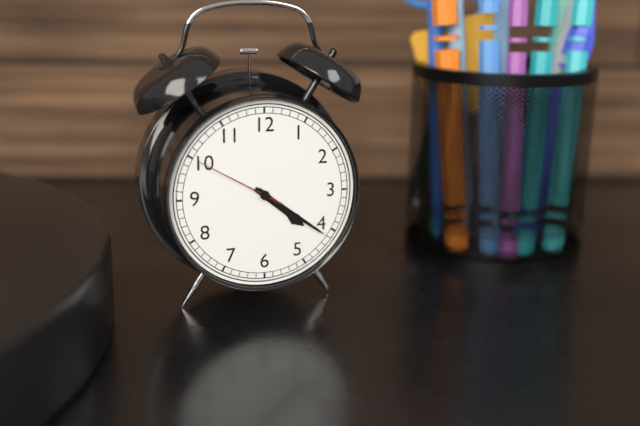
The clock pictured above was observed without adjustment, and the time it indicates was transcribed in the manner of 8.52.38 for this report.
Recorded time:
4.21.50
